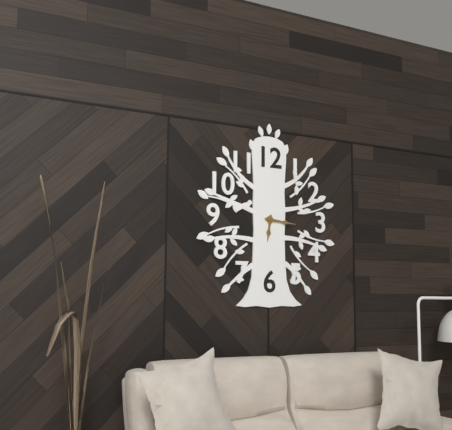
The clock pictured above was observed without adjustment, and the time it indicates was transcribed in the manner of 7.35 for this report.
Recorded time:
6.16
